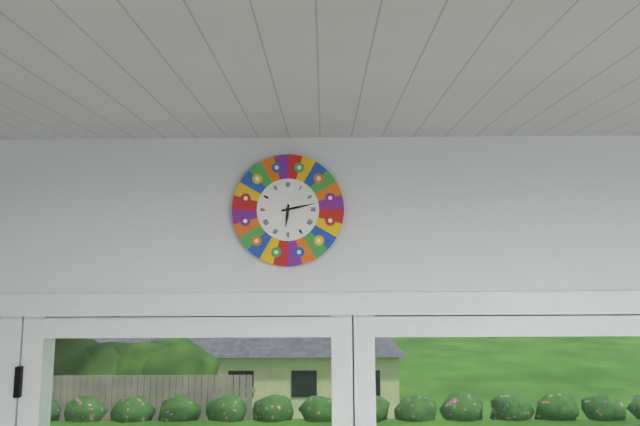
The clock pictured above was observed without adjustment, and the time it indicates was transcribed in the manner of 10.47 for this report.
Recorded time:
6.13
